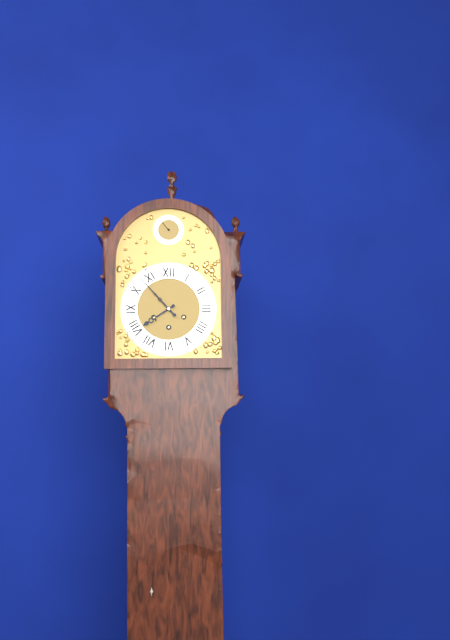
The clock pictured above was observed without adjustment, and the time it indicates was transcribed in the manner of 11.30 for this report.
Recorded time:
7.53
